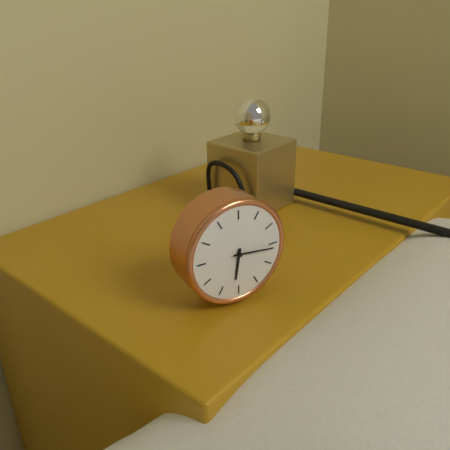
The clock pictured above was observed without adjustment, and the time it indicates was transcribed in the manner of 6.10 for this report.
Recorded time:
6.16
